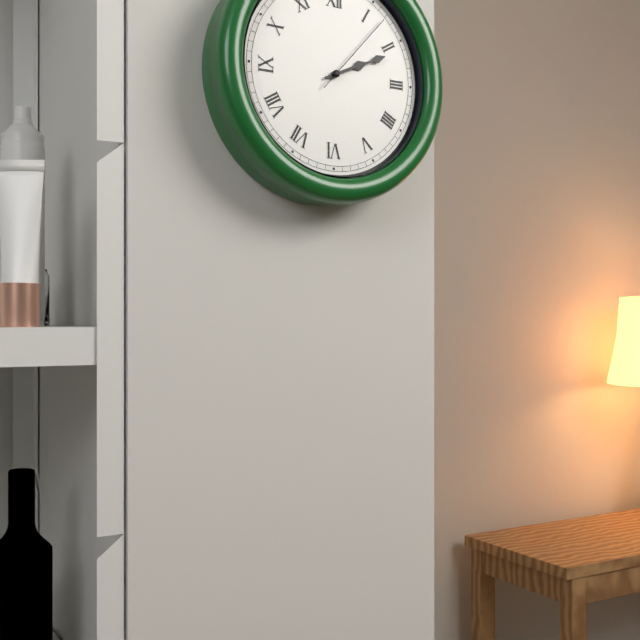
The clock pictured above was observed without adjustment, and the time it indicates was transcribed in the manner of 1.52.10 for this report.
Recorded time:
2.11.07
